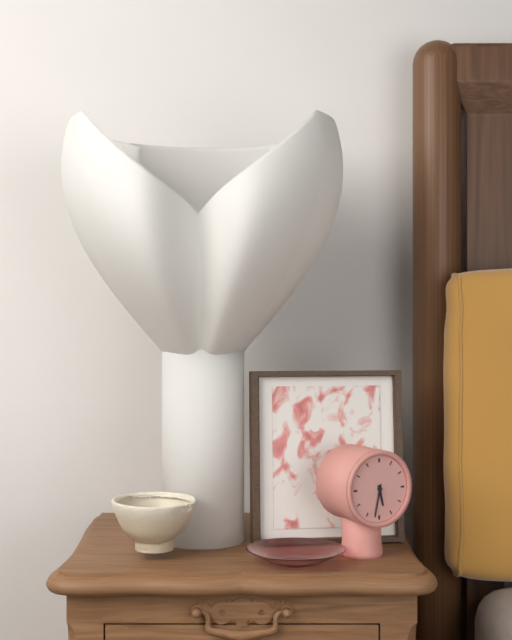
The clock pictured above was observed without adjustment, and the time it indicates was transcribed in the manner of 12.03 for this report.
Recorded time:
5.32
